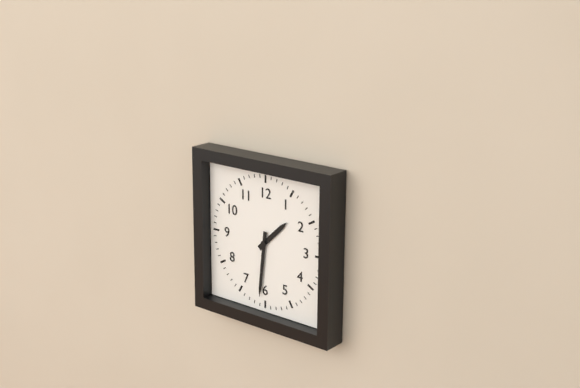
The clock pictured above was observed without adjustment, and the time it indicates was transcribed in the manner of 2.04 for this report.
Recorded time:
1.31
